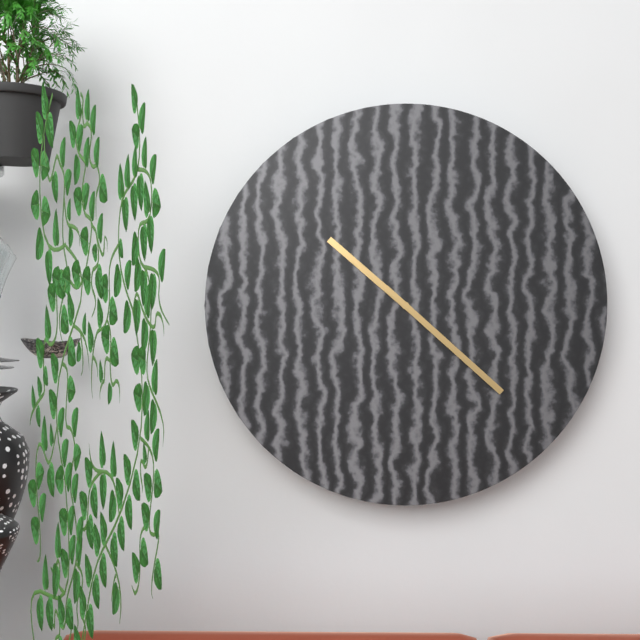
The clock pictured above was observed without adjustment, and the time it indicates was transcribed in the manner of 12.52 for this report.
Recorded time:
10.22
